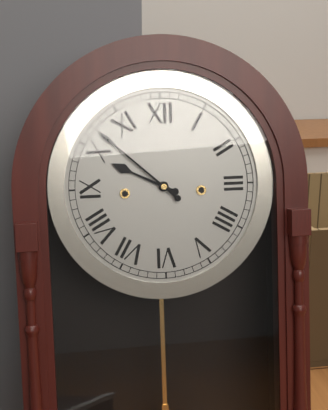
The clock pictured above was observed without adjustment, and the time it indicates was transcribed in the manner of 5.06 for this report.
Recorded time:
9.52
